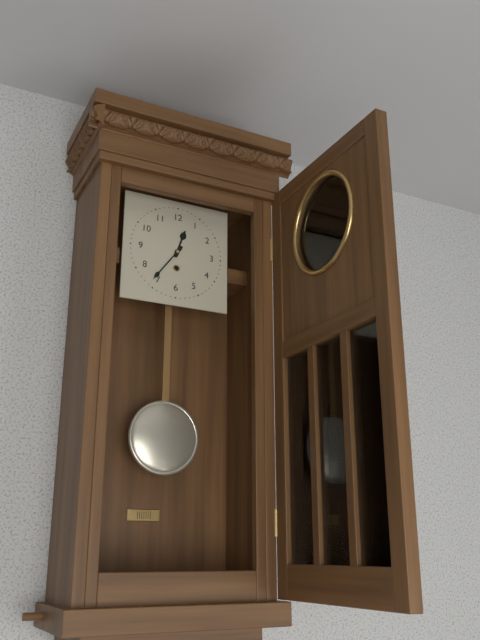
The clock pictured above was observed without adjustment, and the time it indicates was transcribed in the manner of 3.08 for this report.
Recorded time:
12.36
